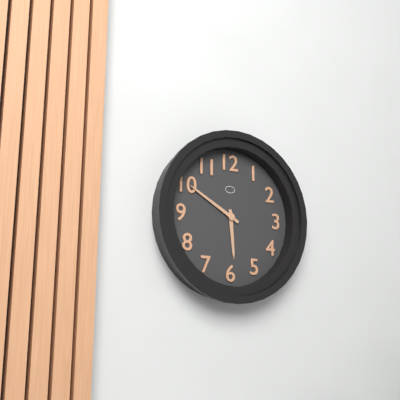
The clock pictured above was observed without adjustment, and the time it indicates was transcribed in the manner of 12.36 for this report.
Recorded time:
5.50
